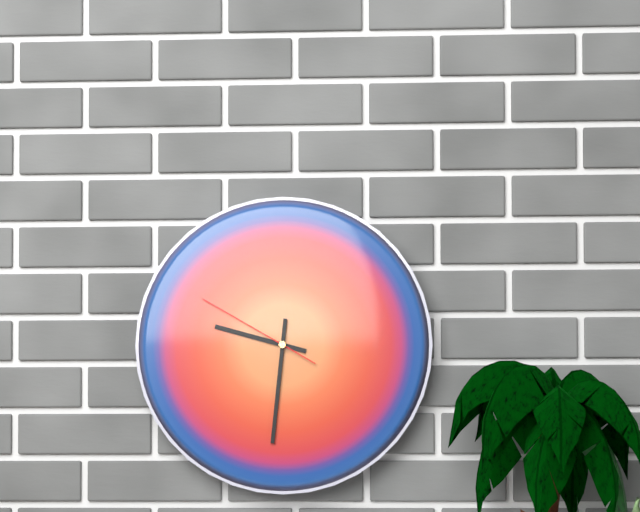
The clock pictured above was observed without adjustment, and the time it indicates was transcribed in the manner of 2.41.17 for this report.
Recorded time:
9.31.50
